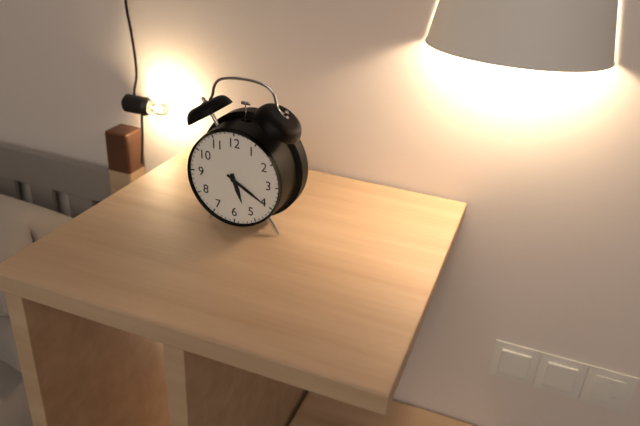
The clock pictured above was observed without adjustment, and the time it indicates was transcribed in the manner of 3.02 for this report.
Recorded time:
5.20
